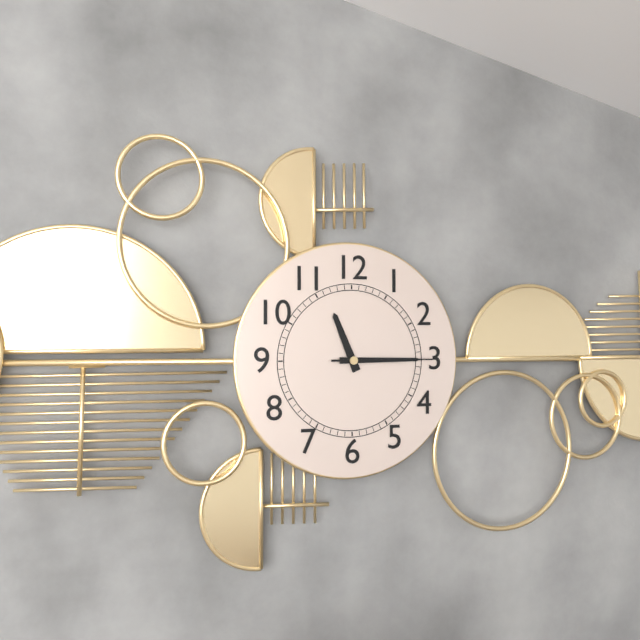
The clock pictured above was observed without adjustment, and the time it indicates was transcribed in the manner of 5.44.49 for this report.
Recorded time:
11.15.15
